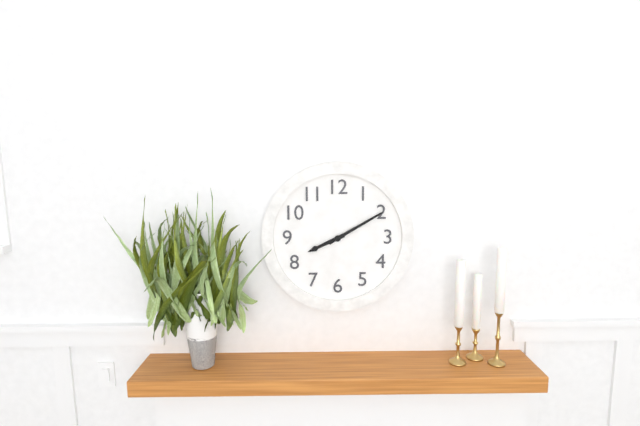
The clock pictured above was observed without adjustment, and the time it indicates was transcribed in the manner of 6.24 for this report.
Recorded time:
8.10
